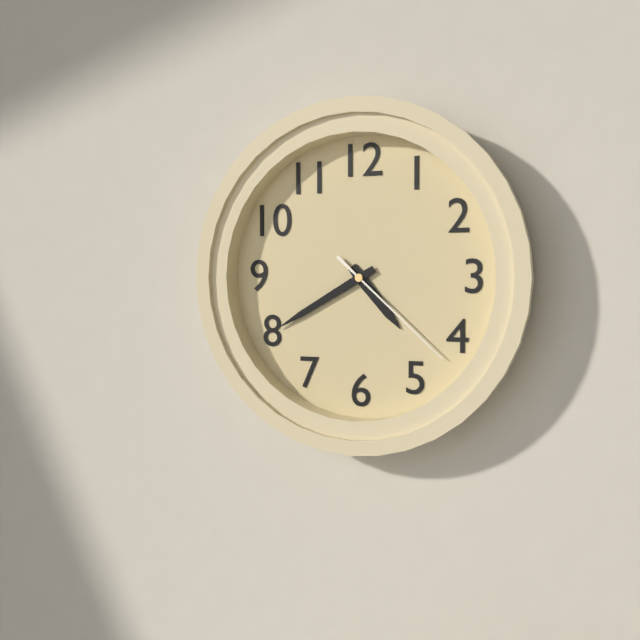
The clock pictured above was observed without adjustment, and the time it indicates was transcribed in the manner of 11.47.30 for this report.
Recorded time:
4.40.22
